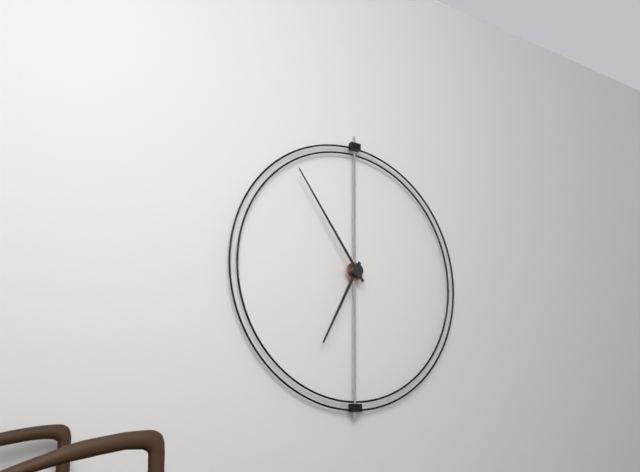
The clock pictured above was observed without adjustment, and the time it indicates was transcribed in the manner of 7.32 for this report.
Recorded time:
6.54
